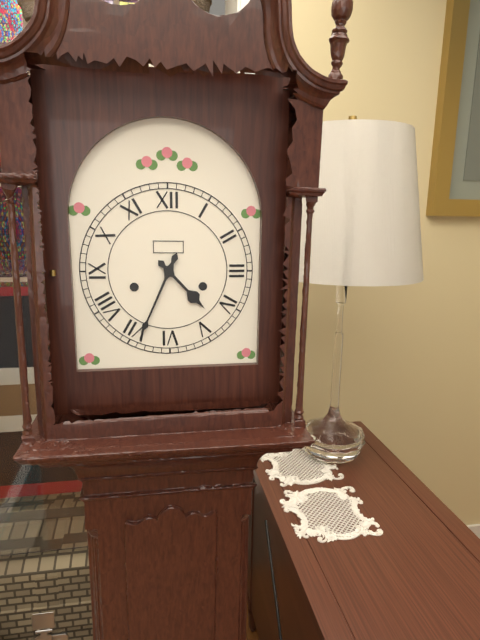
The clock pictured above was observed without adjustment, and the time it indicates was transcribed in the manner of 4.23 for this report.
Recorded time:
4.34
